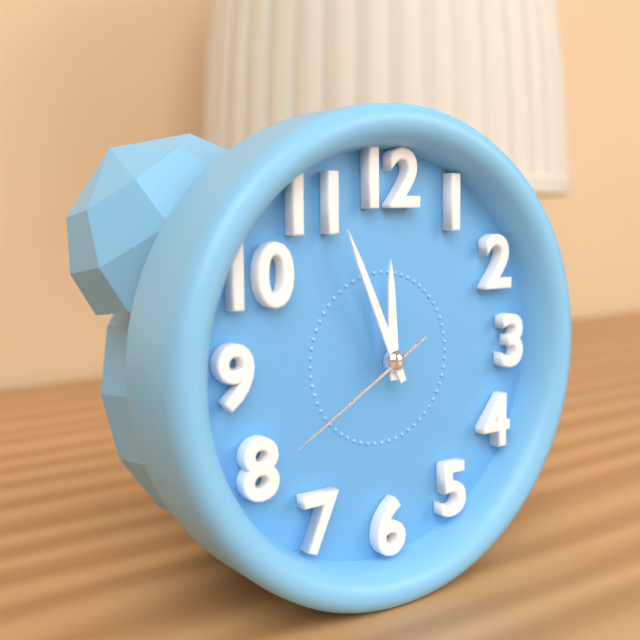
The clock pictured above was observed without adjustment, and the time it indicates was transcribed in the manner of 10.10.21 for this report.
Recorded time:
11.56.40
